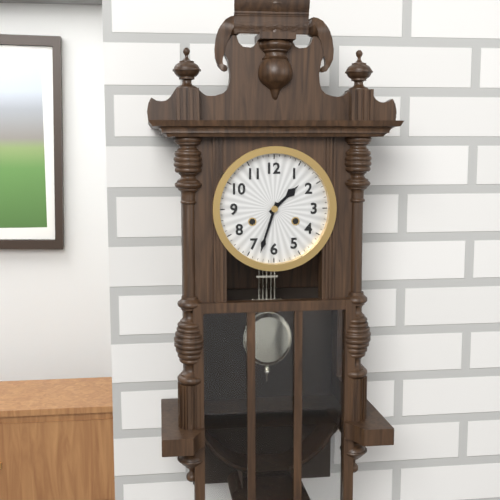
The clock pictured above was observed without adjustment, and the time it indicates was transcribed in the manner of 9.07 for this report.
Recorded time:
1.33
